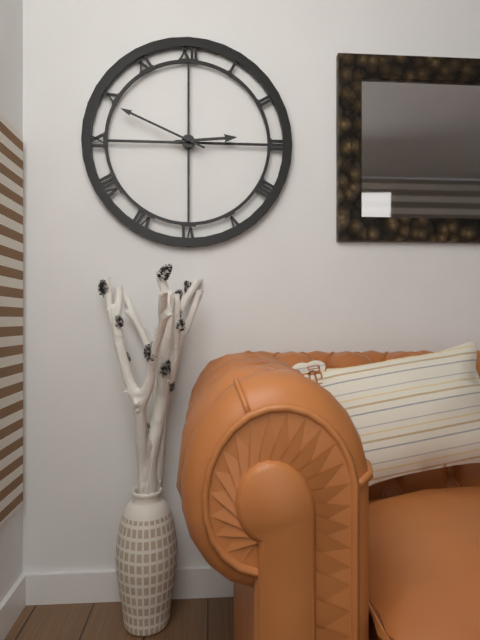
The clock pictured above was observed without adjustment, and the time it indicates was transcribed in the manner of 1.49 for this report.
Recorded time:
2.49
